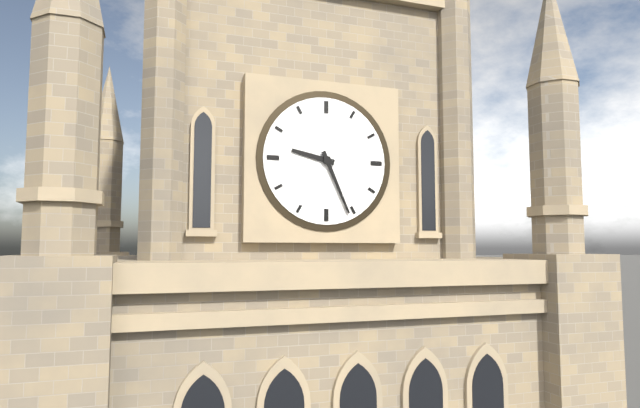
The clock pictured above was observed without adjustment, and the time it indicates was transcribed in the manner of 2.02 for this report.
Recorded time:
9.26
